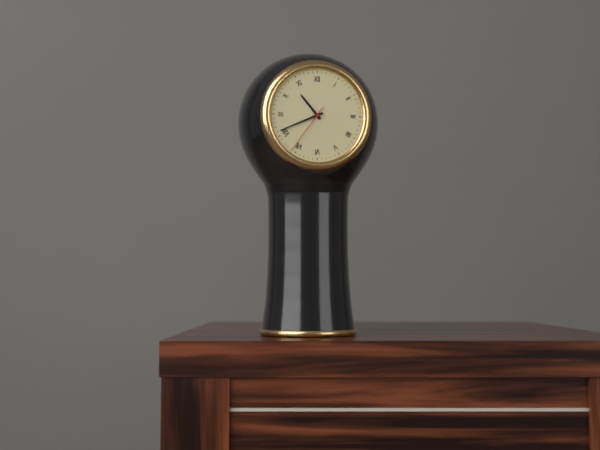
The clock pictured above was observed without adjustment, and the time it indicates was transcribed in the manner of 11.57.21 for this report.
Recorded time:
10.41.36
